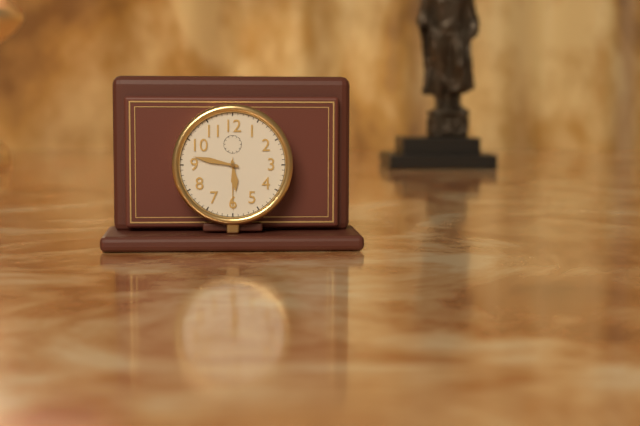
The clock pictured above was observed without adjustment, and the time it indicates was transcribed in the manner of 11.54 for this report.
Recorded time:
5.47
